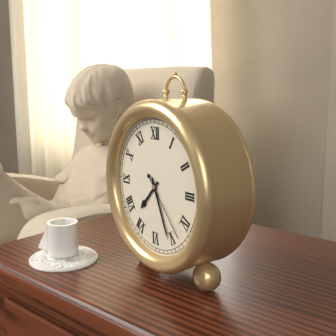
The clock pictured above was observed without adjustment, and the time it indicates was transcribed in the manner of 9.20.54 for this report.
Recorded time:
7.26.23
